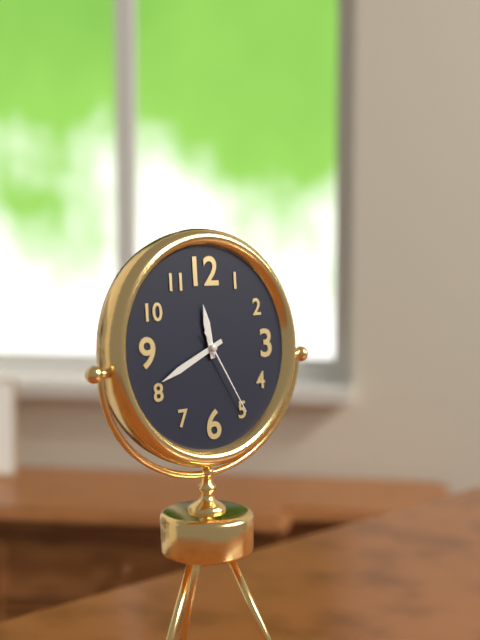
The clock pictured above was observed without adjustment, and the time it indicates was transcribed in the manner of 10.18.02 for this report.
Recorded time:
11.41.25
